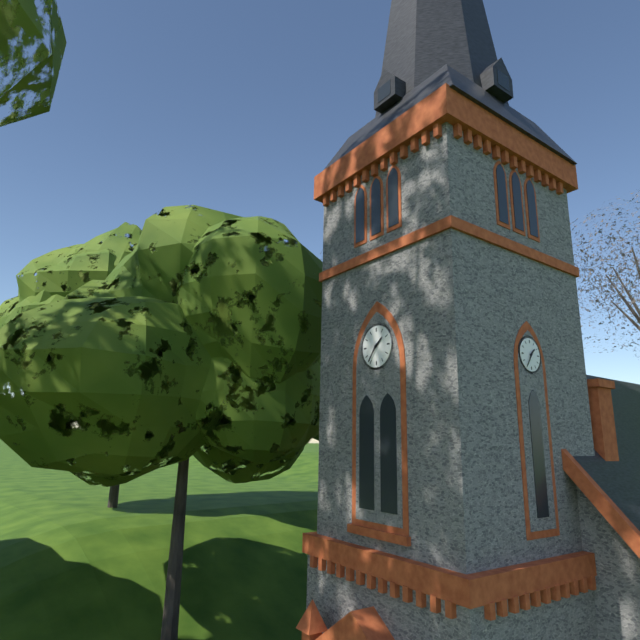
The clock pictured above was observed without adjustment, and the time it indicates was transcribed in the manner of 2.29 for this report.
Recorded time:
1.36
